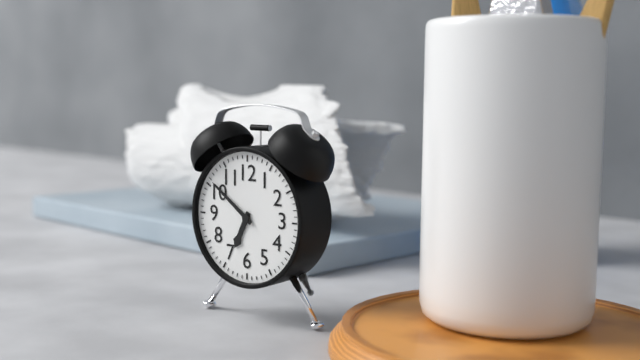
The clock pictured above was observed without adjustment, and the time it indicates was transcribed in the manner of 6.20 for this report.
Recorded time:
6.51
